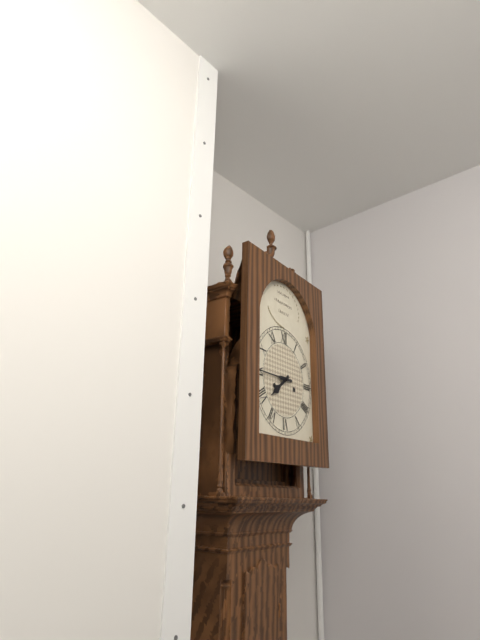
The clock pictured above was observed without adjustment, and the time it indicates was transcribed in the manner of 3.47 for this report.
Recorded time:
7.45
